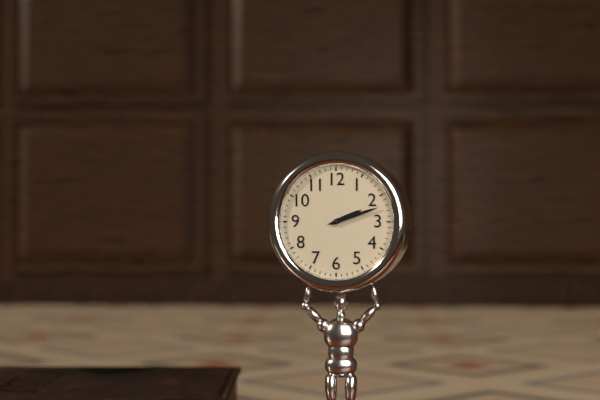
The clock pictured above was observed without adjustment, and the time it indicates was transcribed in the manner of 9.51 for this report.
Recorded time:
2.12
